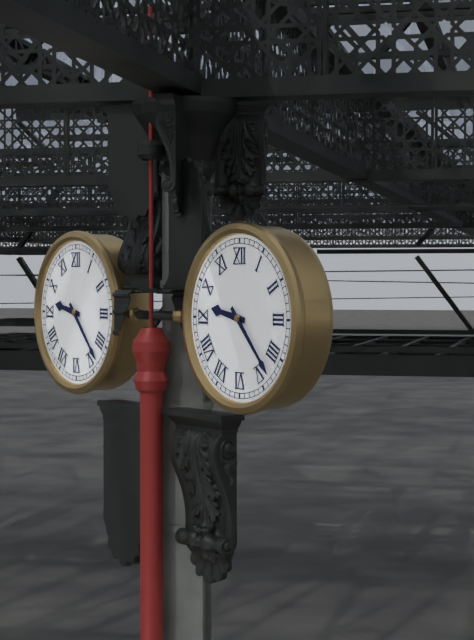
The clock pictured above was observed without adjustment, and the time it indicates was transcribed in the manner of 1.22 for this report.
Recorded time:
9.23
